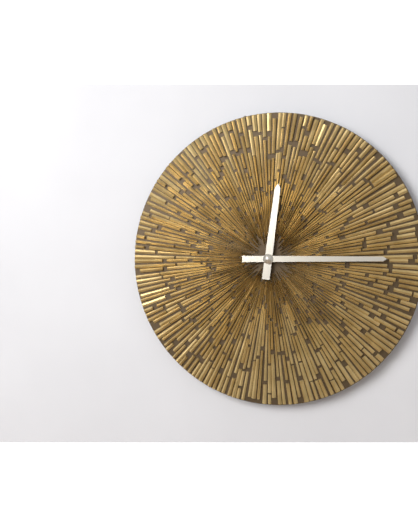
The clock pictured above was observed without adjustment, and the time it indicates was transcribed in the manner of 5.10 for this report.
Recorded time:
12.15
